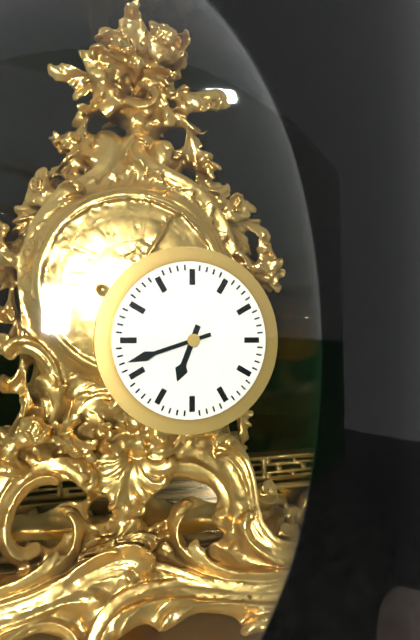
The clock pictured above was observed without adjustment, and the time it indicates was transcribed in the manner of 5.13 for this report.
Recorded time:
6.42
